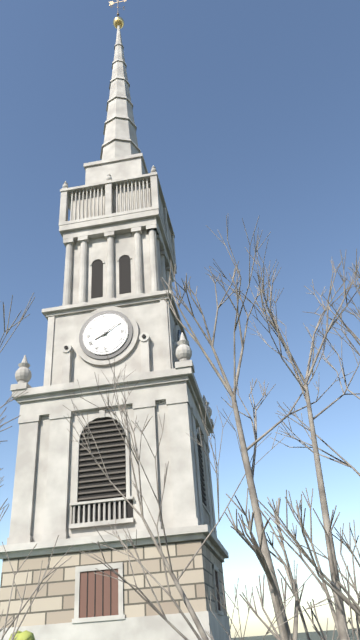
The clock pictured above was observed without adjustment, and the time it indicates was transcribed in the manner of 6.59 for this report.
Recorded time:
8.09
